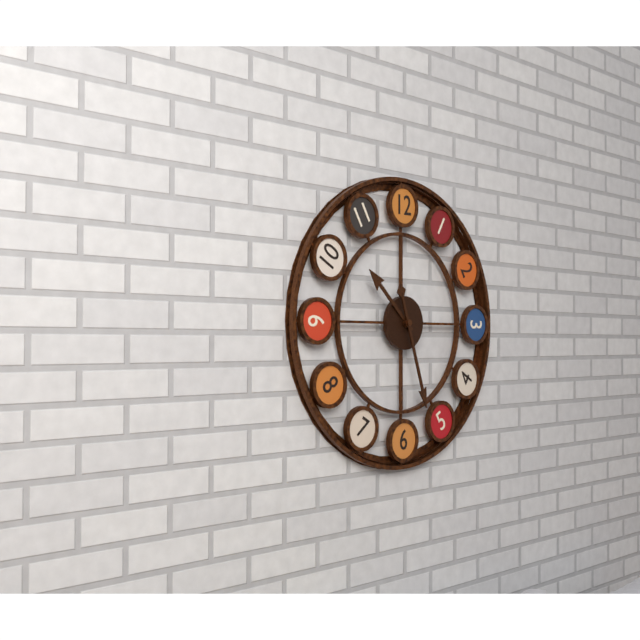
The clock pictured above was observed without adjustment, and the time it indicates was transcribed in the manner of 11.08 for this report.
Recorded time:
10.27
